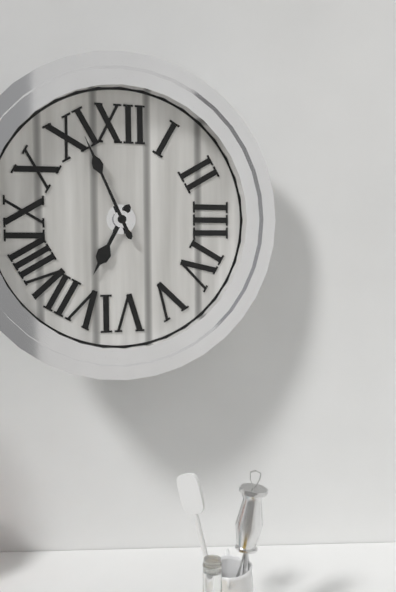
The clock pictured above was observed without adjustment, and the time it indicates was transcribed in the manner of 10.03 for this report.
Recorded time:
6.56
